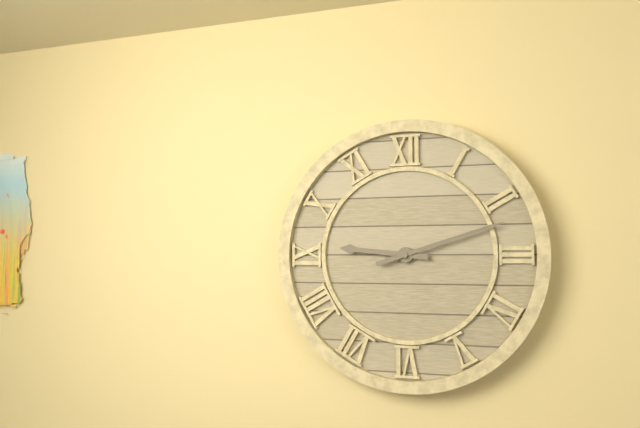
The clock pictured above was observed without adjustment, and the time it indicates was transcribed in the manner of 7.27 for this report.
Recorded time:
9.12
